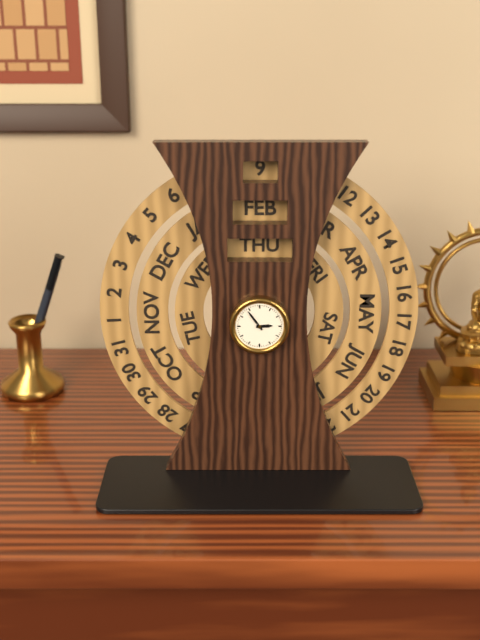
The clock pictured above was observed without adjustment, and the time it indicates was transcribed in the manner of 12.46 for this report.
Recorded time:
2.54
